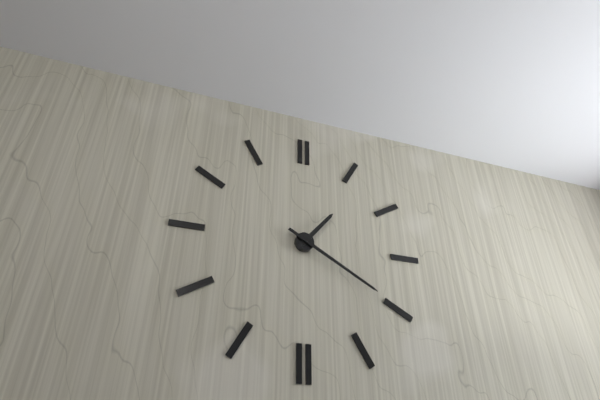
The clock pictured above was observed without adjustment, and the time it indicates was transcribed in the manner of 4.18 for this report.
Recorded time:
1.20
